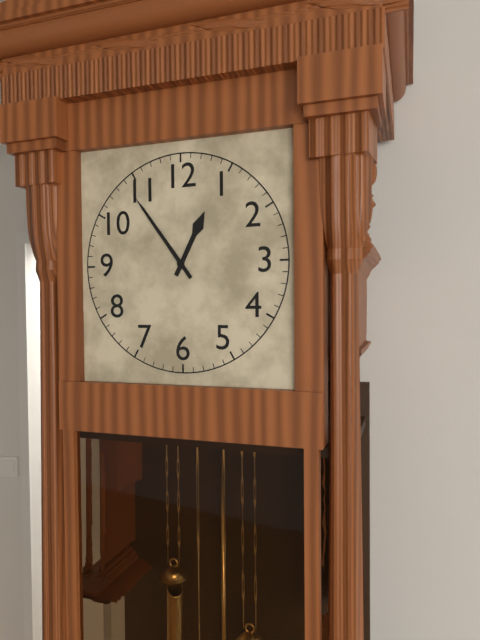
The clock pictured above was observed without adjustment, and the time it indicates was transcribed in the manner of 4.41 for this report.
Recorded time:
12.54
